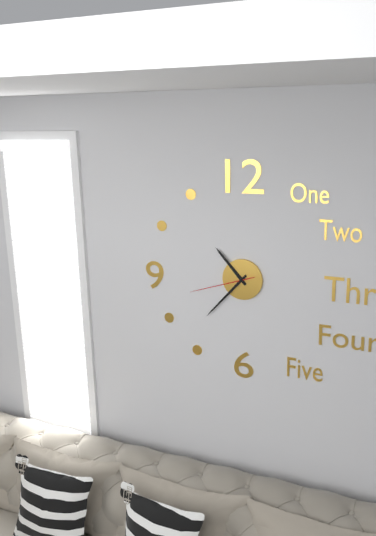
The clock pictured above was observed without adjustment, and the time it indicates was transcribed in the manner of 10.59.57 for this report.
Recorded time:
10.37.42
